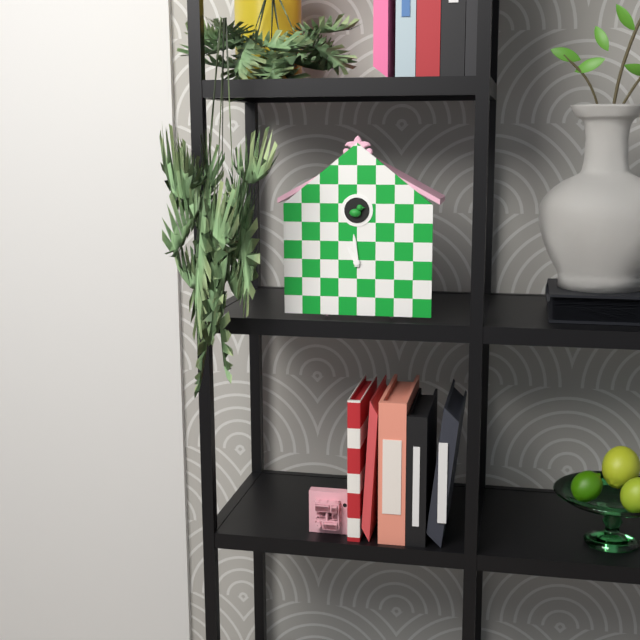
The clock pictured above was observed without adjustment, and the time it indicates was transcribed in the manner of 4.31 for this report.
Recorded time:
10.59
